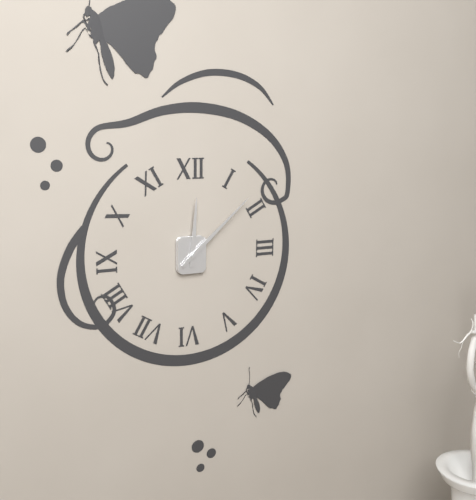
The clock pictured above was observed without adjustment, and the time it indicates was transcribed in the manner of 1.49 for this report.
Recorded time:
12.08
